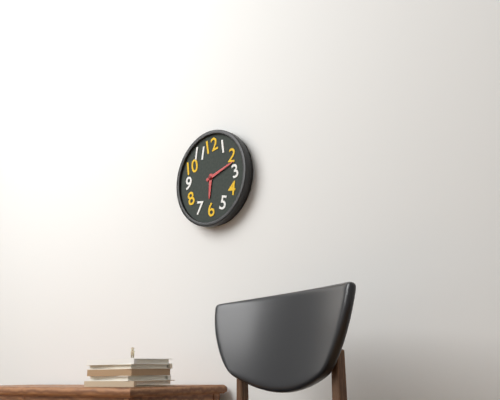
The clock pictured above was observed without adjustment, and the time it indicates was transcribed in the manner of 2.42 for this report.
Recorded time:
6.12
